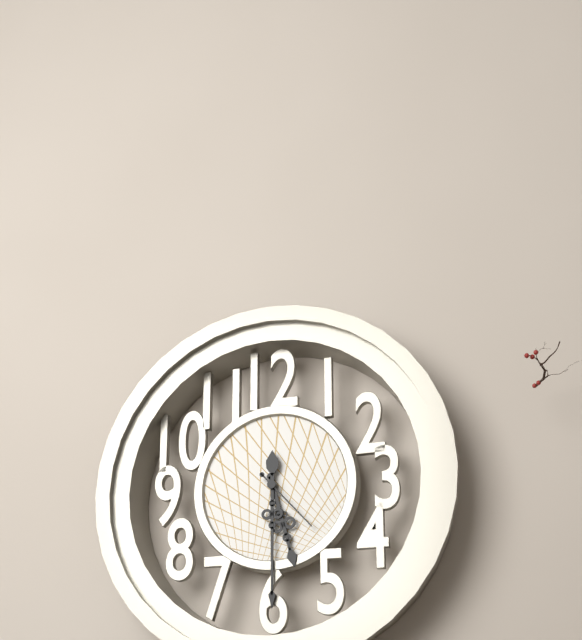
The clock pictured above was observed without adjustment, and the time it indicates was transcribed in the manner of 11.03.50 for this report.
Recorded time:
5.30.23
